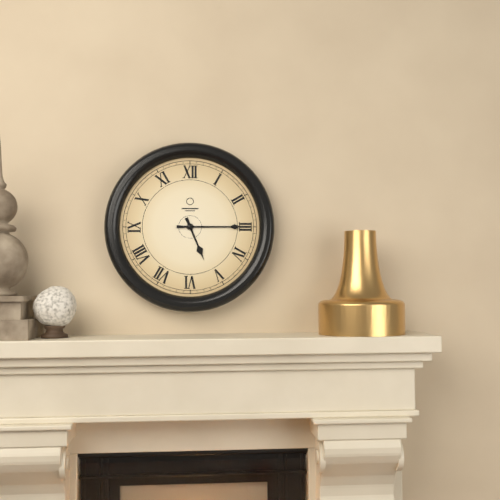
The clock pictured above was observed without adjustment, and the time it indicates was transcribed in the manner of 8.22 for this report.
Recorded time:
5.15
